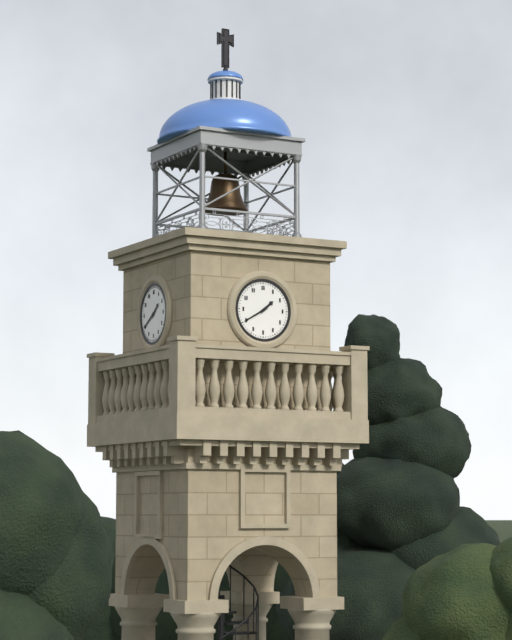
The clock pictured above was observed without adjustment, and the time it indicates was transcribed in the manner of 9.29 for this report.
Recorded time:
1.40
